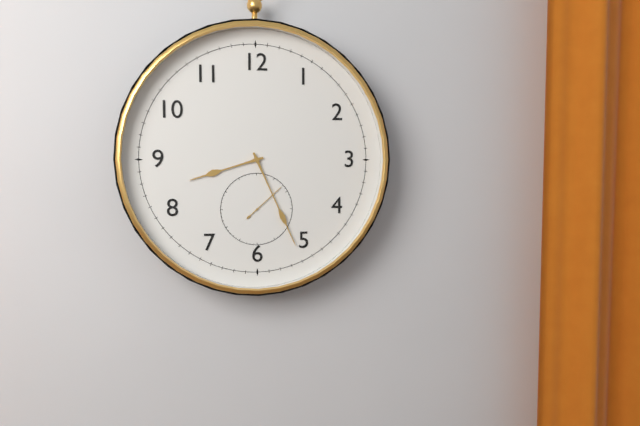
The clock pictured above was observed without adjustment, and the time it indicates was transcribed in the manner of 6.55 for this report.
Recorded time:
8.26
